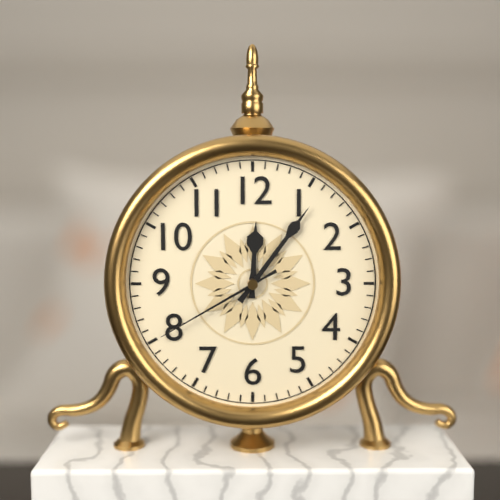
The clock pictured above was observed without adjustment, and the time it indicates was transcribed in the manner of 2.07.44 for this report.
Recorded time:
12.06.40
